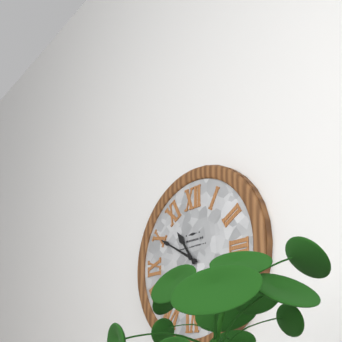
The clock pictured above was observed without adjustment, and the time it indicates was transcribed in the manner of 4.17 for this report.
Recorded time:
10.50
